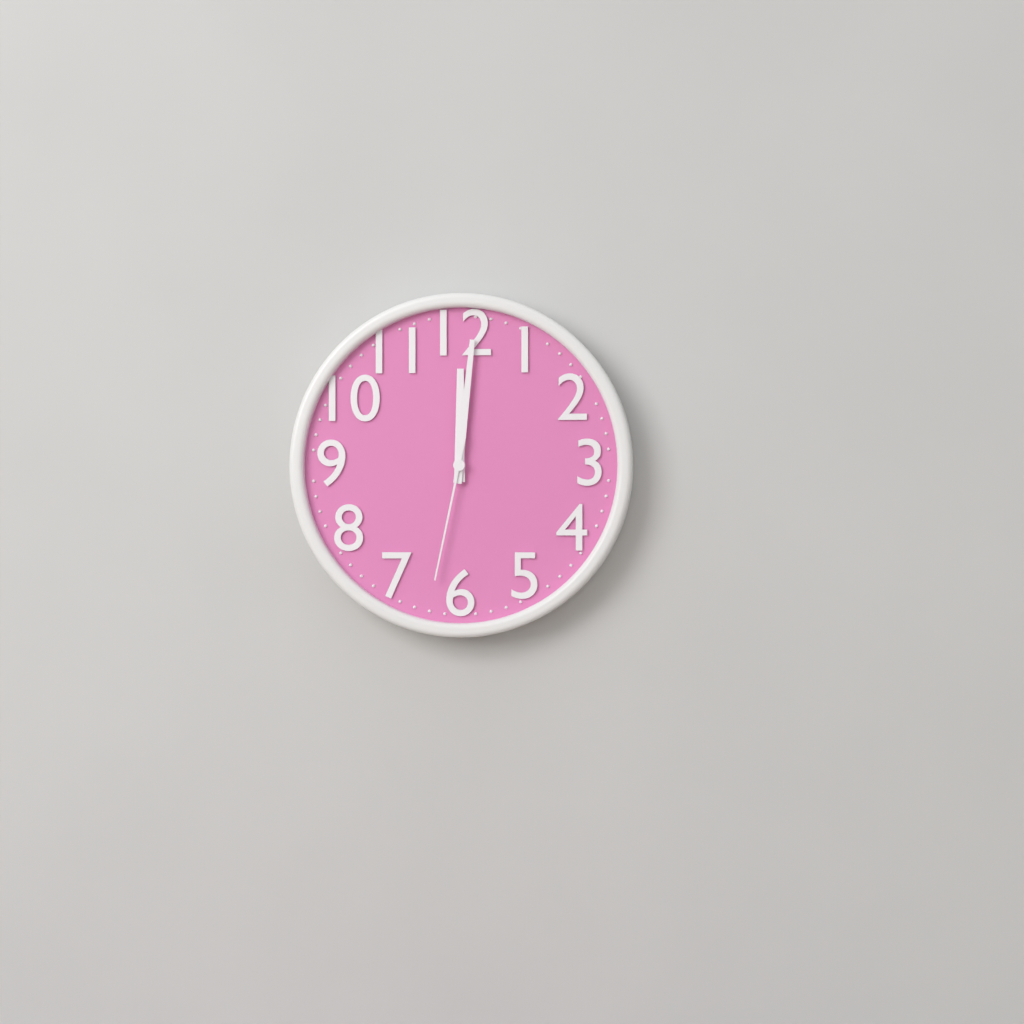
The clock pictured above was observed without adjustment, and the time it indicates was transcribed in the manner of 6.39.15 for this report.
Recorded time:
12.01.32
